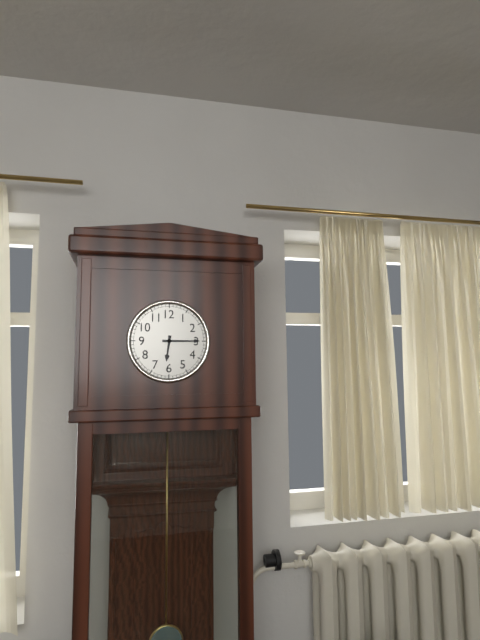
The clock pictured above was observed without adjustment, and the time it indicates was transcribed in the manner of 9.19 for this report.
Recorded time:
6.15
